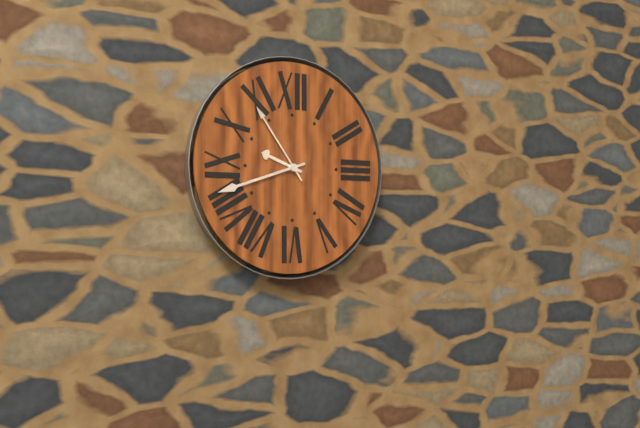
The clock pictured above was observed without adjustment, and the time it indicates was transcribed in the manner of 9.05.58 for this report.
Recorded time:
9.42.54
